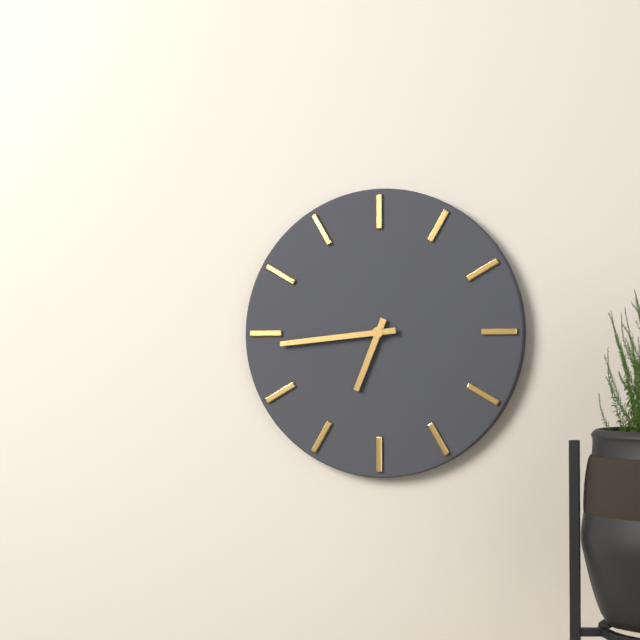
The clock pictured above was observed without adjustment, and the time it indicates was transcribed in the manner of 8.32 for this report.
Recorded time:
6.44
